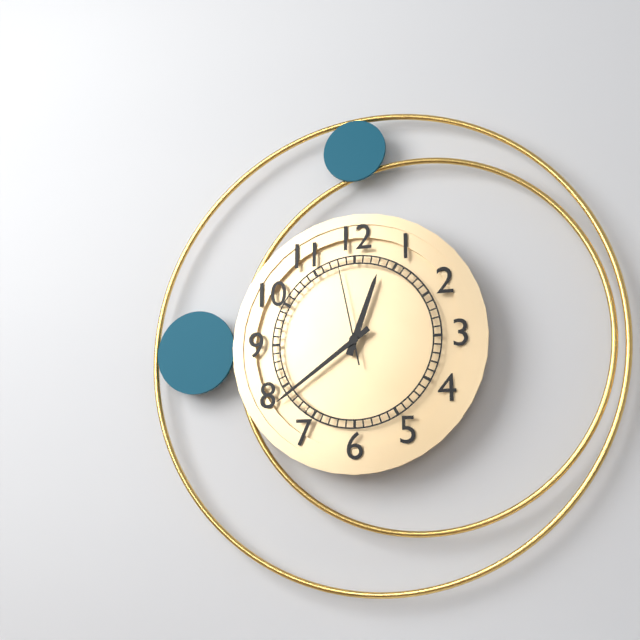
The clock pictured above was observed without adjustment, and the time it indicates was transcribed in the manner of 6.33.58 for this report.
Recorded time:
12.39.58
